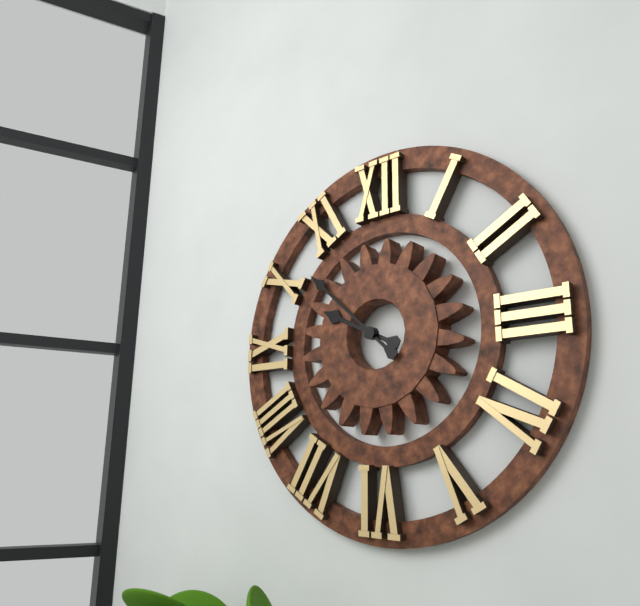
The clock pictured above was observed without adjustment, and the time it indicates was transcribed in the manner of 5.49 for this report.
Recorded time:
9.52
